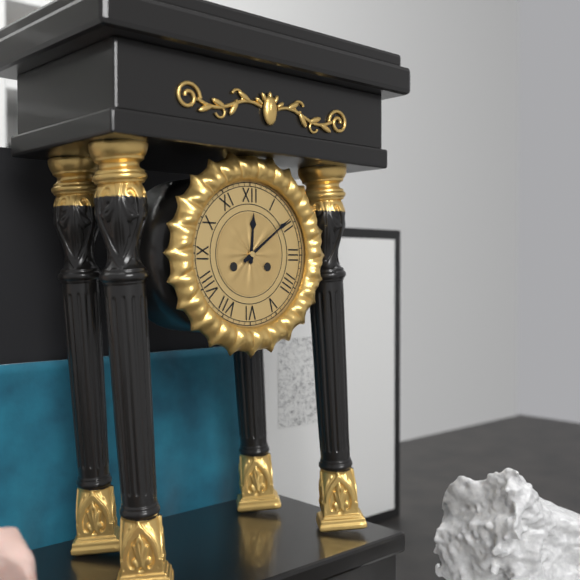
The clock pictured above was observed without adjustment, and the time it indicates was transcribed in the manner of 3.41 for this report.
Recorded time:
12.09
